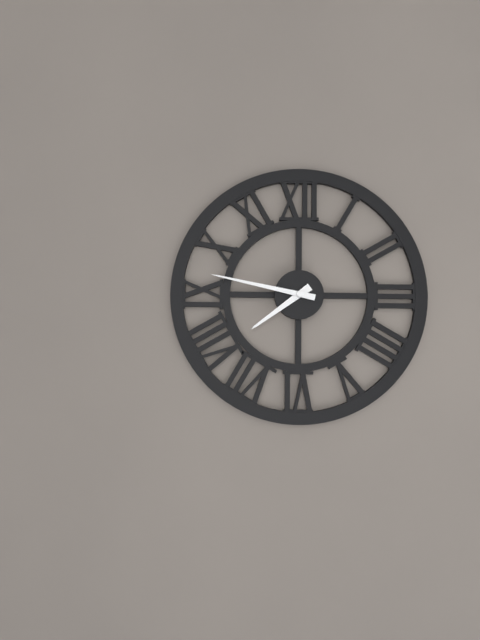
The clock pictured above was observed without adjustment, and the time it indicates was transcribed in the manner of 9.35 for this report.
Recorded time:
7.47
